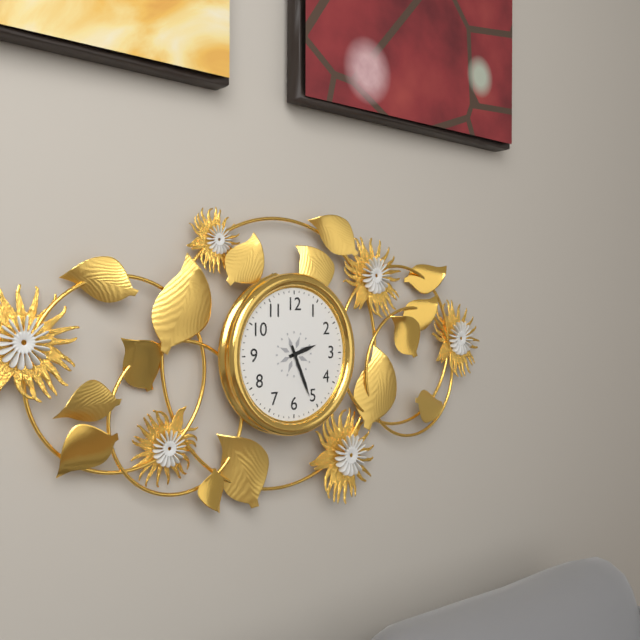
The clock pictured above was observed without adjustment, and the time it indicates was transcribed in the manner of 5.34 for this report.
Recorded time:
2.26
